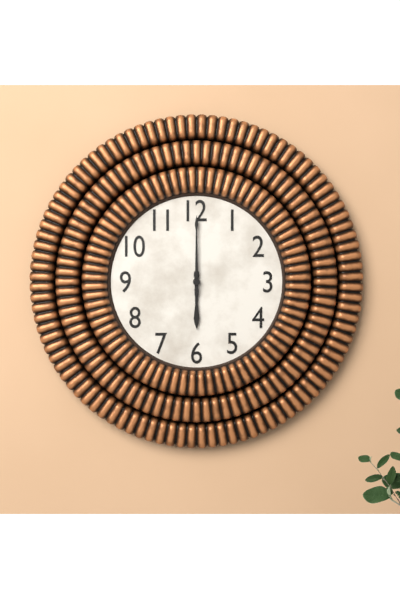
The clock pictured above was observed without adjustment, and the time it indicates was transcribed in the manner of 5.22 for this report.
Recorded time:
6.00
